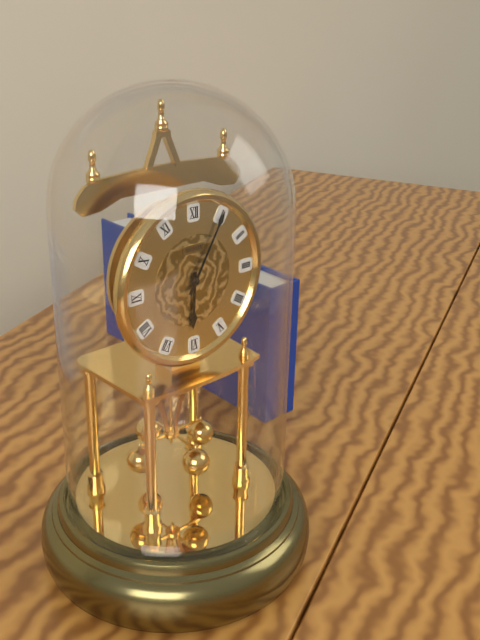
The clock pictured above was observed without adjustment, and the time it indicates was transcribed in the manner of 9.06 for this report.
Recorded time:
6.05
